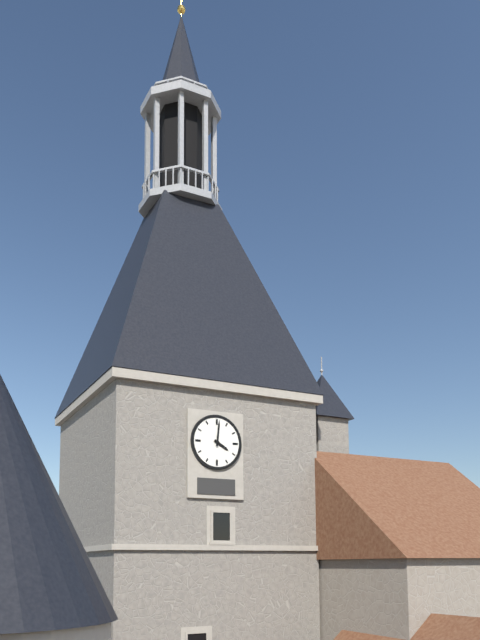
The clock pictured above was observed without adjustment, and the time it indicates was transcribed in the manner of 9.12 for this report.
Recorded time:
4.01
